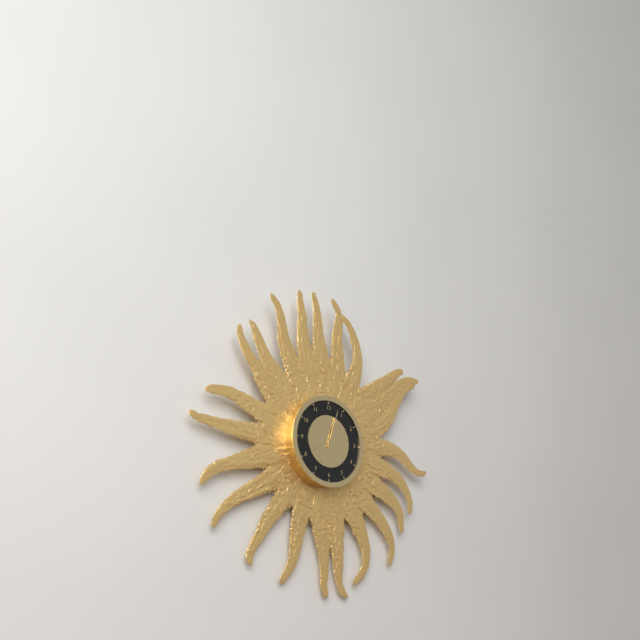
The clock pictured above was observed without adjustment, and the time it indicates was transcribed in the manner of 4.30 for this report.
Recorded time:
8.03
